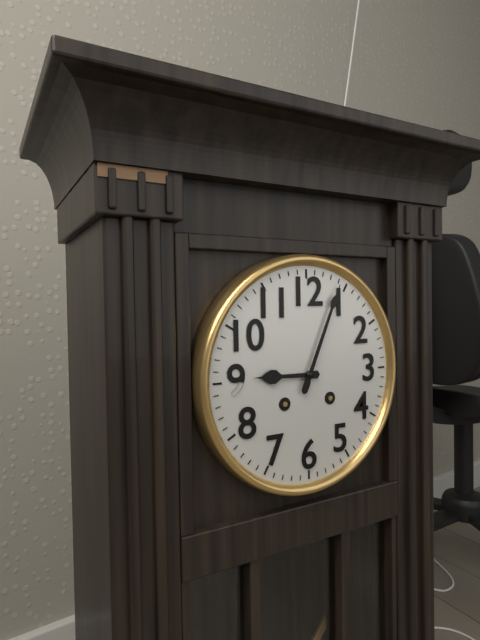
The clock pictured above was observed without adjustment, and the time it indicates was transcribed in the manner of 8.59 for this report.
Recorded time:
9.04
